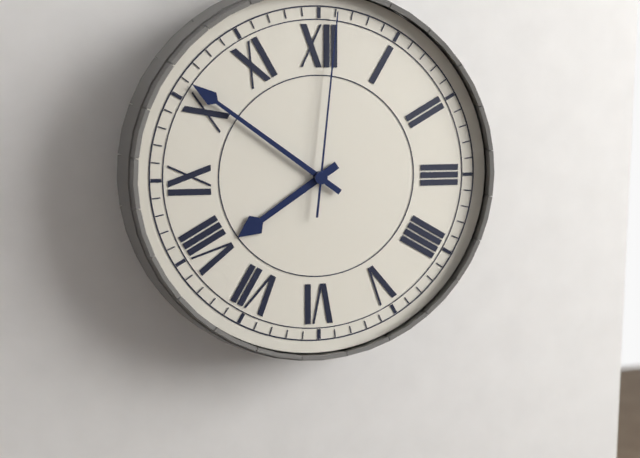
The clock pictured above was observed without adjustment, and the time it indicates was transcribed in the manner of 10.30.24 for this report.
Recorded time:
7.51.01
